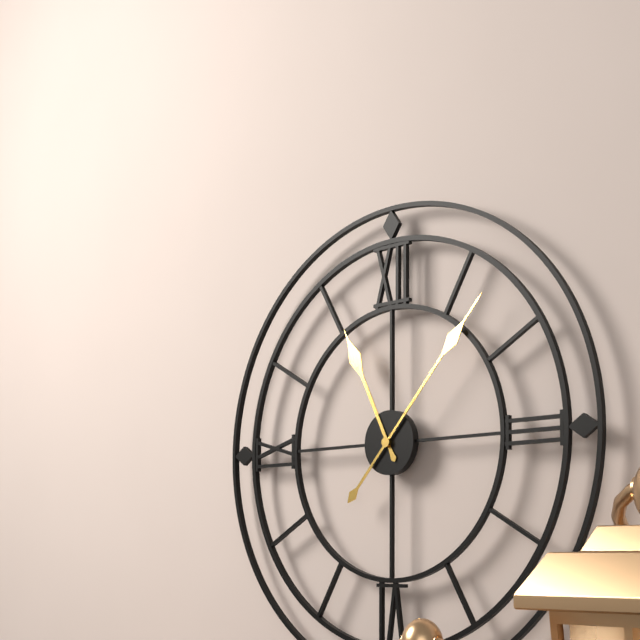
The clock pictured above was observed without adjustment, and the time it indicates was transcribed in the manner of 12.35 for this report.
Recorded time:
11.07
